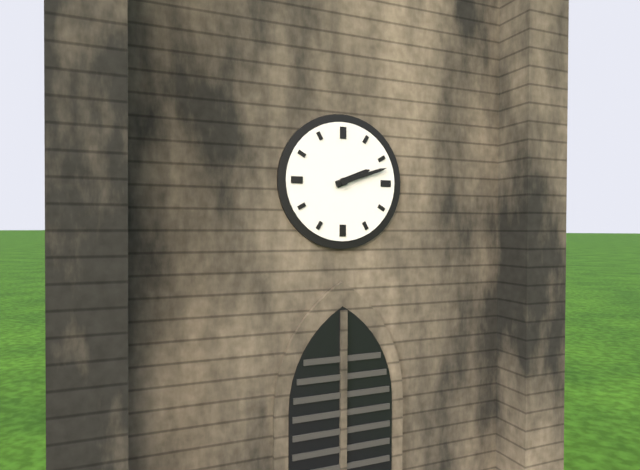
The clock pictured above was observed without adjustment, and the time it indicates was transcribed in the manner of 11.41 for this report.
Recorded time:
2.12
